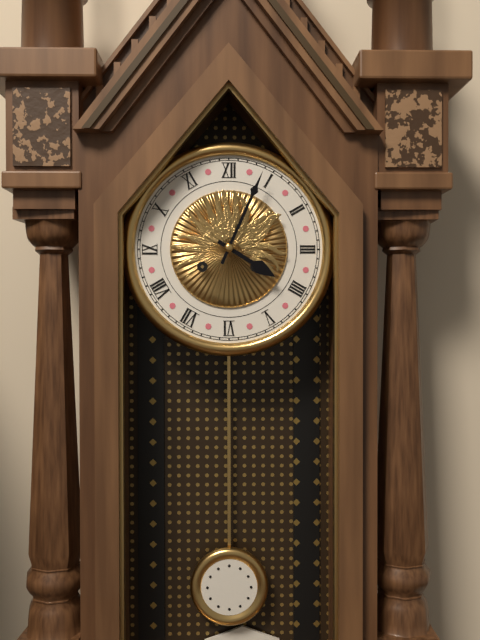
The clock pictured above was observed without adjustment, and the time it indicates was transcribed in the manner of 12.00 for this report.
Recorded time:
4.04
